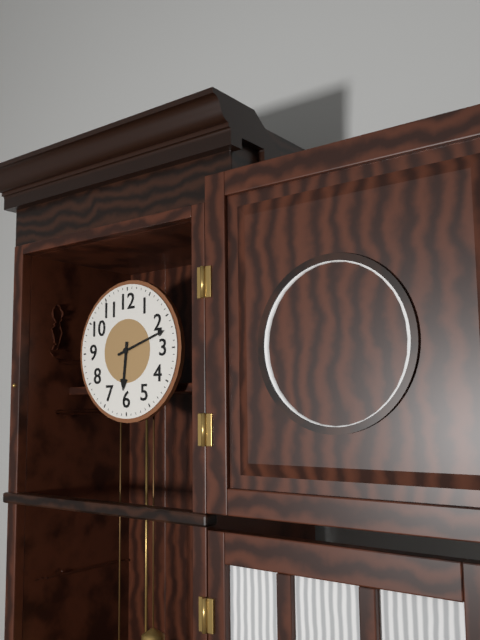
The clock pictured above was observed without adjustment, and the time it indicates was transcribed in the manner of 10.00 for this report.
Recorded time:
6.12
